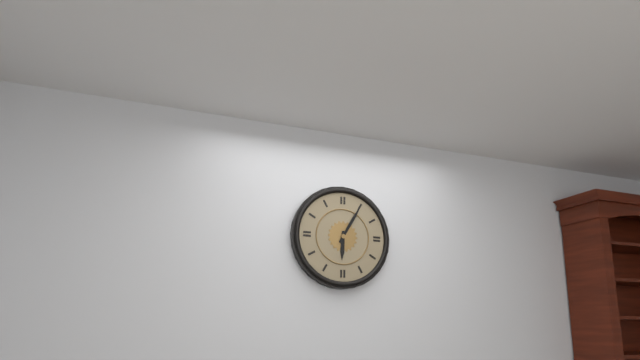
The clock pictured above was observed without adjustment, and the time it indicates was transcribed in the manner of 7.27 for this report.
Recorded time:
6.05
